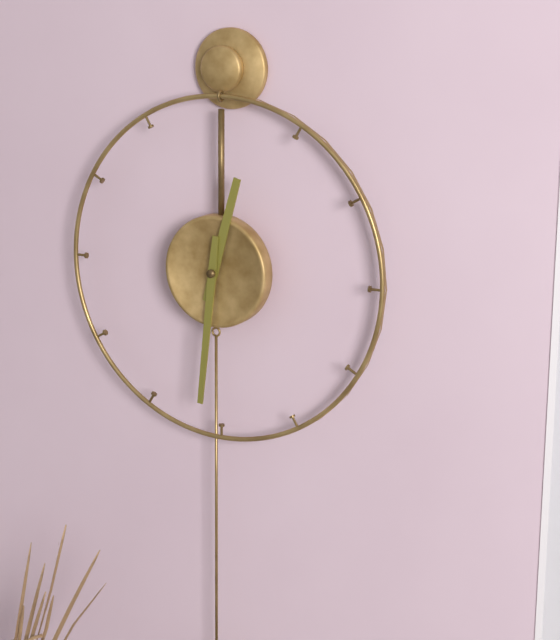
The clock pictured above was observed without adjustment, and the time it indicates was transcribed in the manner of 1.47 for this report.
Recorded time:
12.31
